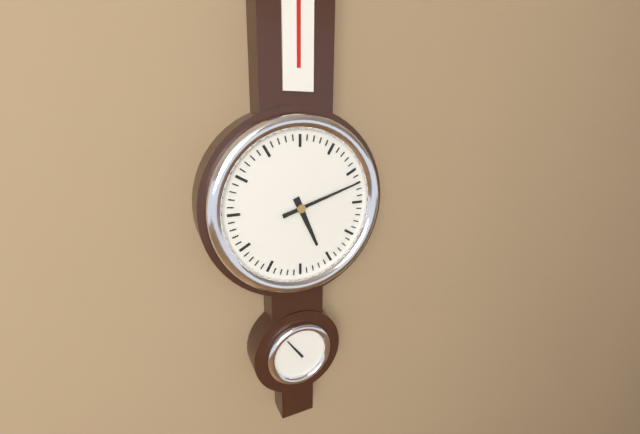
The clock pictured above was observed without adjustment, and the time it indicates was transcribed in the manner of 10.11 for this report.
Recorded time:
5.12
